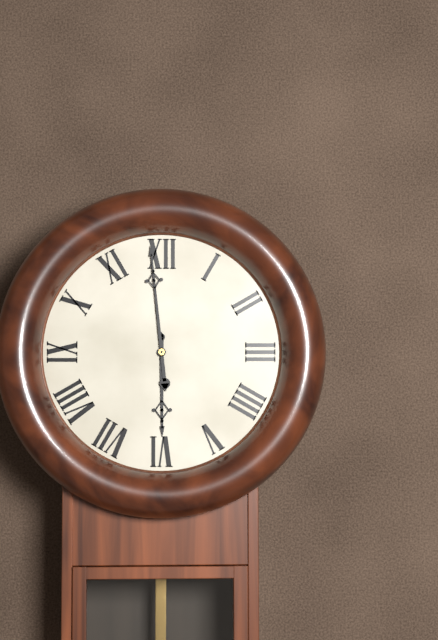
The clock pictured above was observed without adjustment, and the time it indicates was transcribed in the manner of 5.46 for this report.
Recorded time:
5.59
